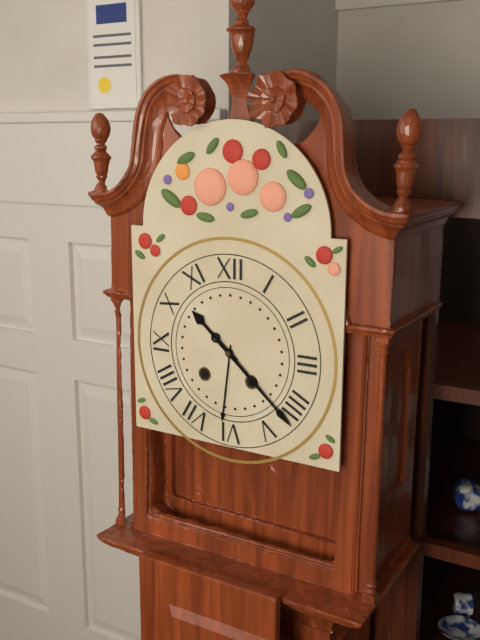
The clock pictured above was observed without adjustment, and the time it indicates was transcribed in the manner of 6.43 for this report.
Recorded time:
10.22
